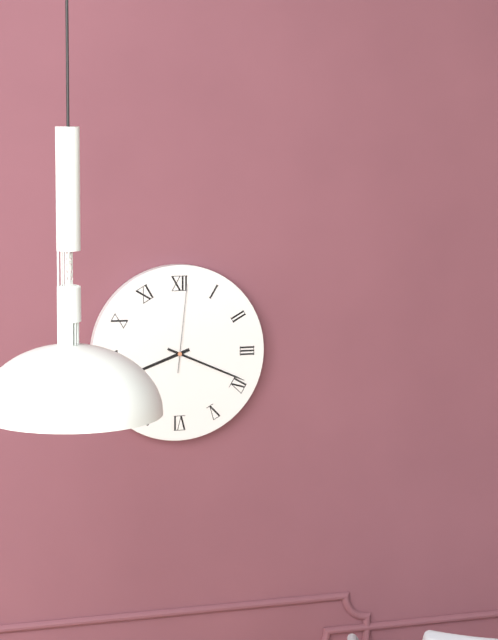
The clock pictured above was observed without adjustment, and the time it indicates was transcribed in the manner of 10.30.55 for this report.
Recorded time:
8.19.01
